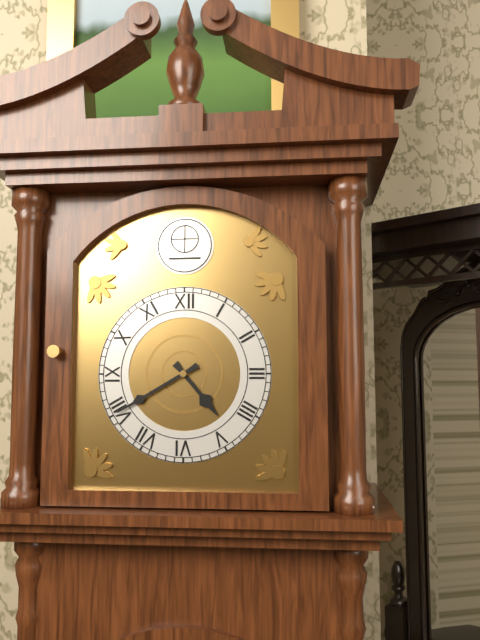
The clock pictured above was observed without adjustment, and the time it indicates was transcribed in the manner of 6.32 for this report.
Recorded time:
4.40
